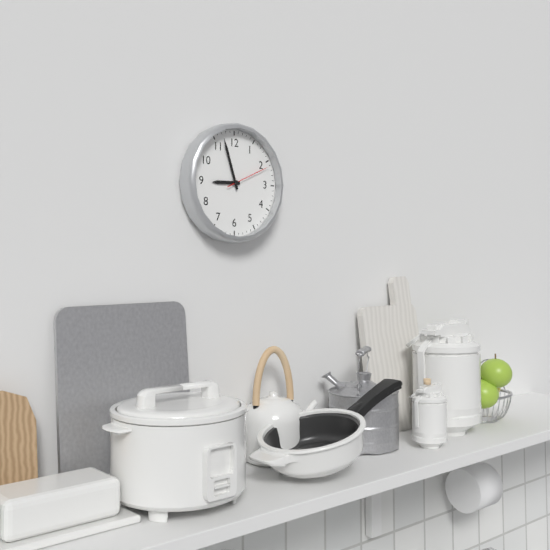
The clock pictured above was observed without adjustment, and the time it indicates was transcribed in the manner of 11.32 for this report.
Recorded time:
8.57
